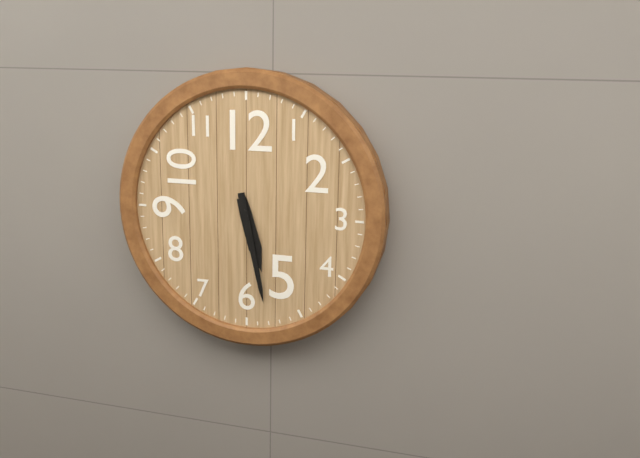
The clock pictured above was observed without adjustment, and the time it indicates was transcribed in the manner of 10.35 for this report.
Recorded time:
5.28
